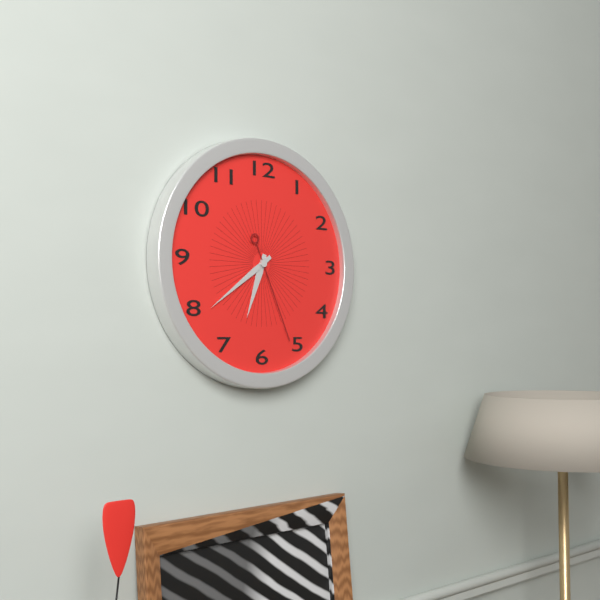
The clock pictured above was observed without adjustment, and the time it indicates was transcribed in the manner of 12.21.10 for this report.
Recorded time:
6.39.26
